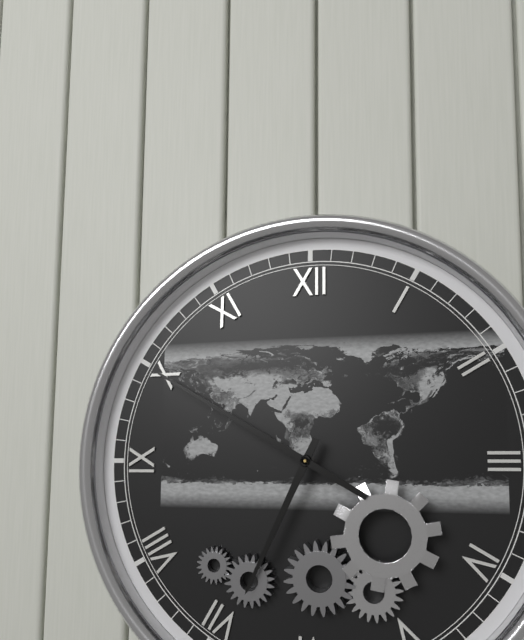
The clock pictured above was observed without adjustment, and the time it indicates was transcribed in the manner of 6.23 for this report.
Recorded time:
6.50
